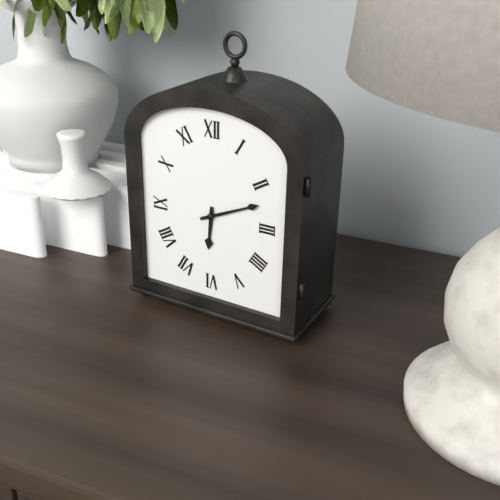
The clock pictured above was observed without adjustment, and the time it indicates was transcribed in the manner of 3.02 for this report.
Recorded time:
6.11
